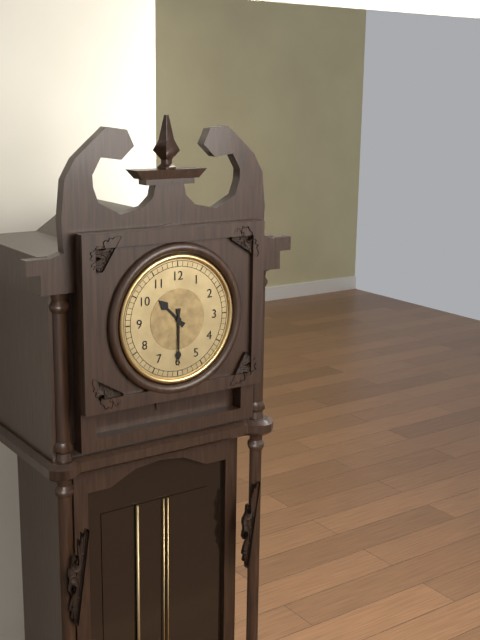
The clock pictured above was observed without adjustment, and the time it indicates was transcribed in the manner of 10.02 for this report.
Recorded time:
10.30
